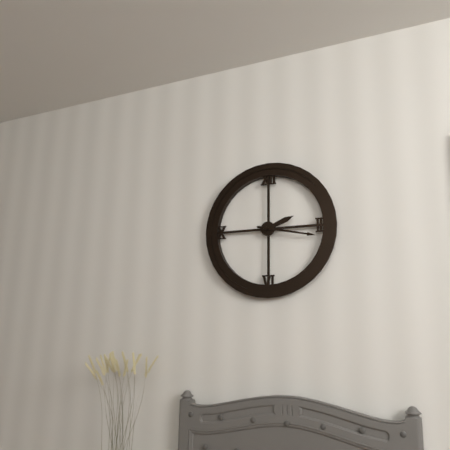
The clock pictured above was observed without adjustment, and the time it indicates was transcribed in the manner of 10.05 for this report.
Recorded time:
2.17
